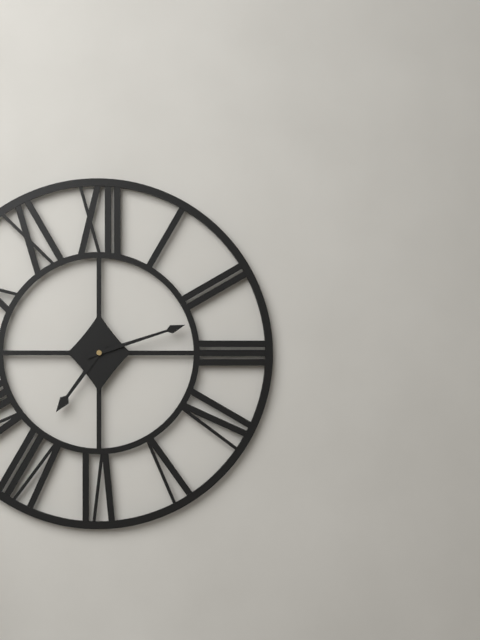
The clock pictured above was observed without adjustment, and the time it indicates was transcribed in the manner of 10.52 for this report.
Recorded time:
7.12
